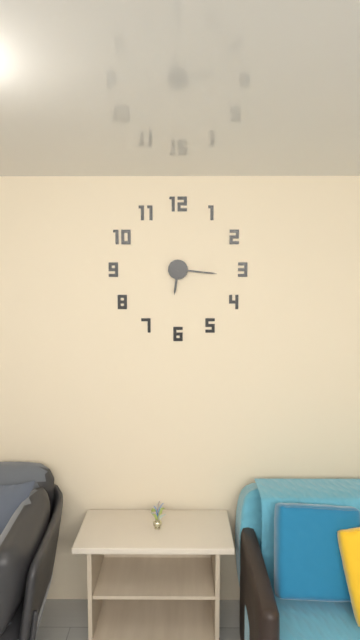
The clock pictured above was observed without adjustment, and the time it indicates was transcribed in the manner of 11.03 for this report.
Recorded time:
6.16
